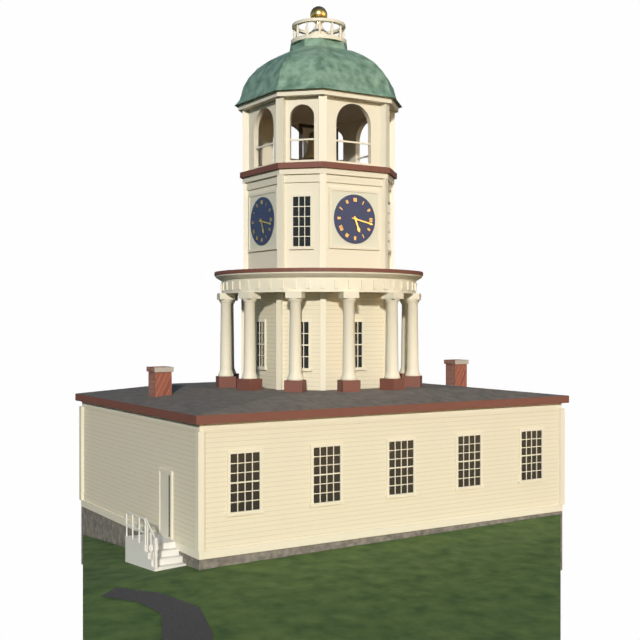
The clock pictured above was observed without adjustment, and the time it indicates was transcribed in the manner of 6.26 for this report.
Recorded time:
5.17
